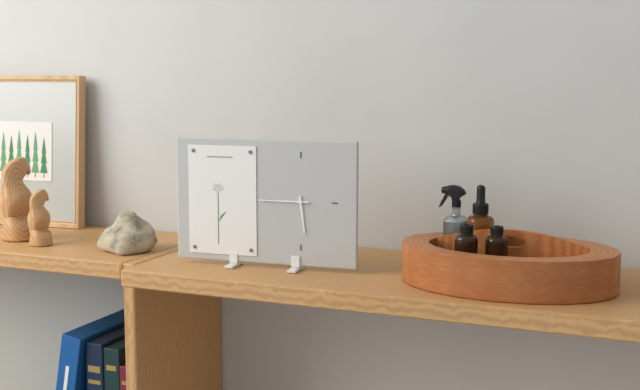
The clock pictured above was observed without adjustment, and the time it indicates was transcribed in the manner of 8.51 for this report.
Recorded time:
5.45
